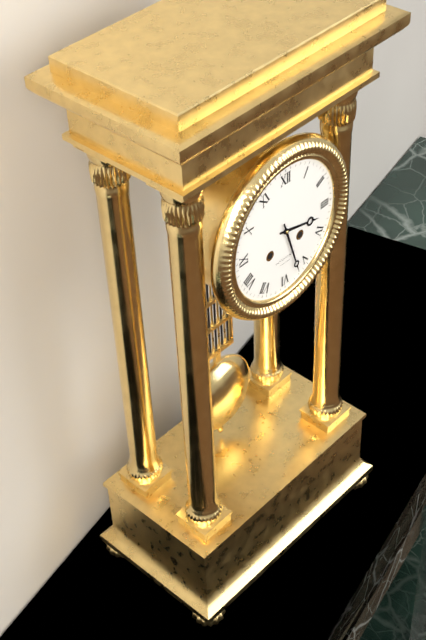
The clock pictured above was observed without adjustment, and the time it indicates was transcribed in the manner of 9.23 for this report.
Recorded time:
3.27
